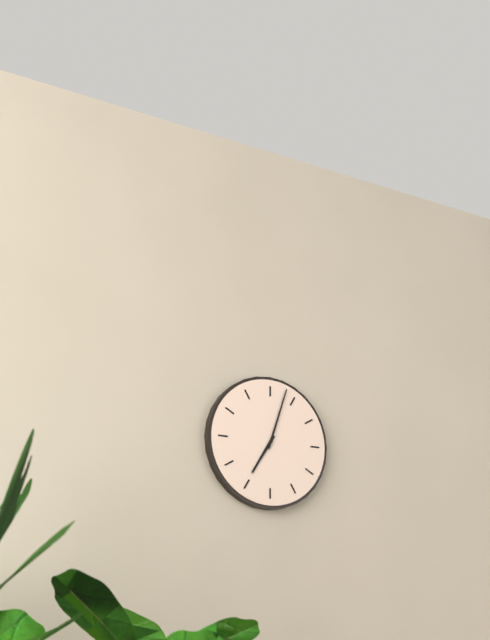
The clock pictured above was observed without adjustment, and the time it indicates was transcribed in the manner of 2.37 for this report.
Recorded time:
7.03
